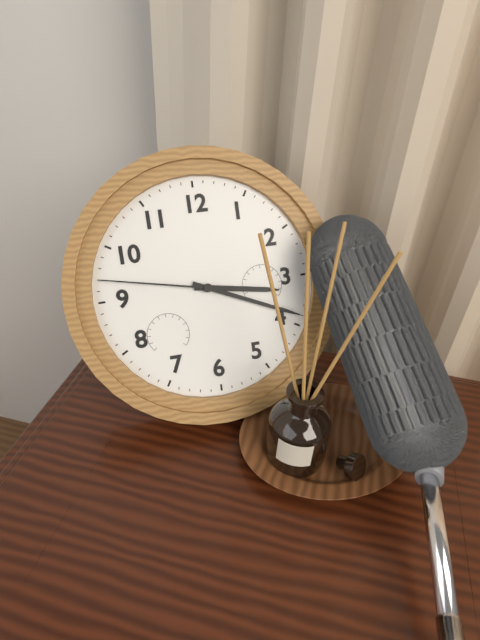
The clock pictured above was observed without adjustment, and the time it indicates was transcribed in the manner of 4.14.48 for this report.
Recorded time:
3.19.47
